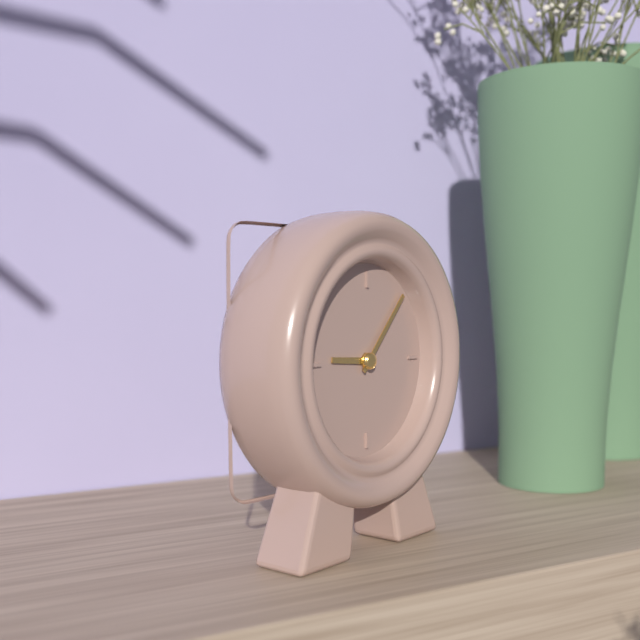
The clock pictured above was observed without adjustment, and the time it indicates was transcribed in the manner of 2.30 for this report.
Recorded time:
9.07
